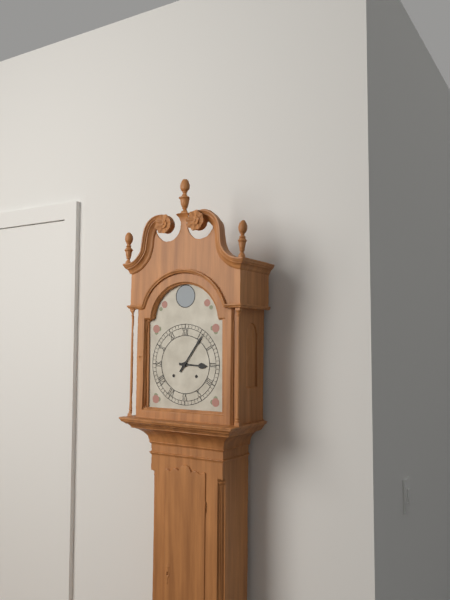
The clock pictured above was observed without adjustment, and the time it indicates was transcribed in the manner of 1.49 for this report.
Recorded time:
3.06
